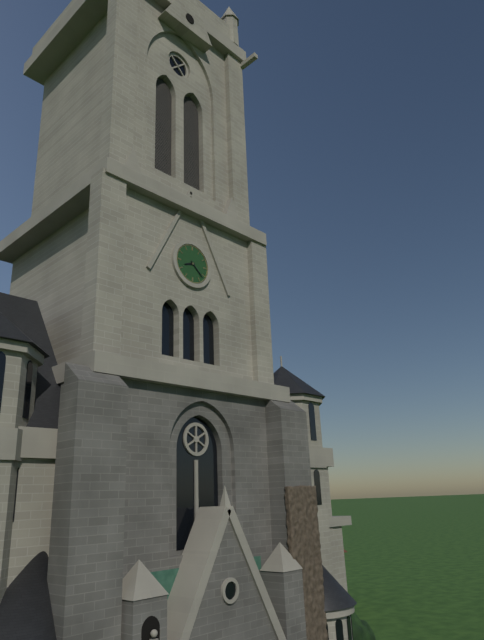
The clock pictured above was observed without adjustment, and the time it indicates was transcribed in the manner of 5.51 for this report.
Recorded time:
8.22
